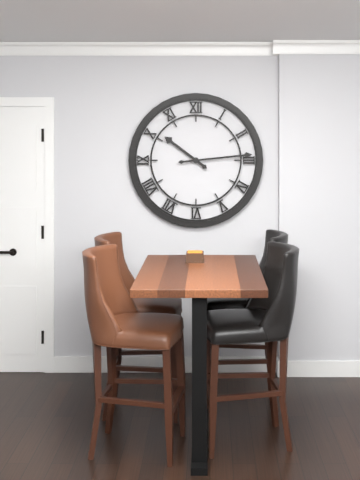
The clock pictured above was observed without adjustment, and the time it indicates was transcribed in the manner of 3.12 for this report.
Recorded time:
10.14
